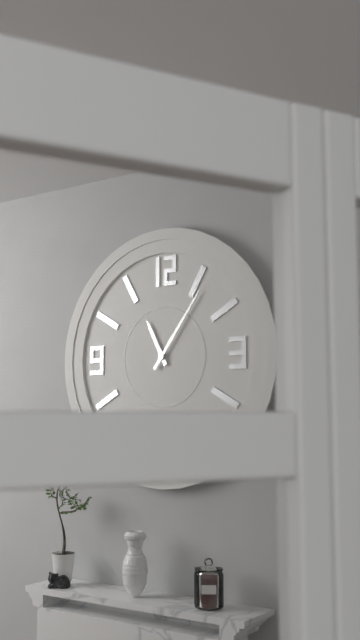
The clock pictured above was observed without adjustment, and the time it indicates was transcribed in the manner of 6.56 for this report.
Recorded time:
11.06
